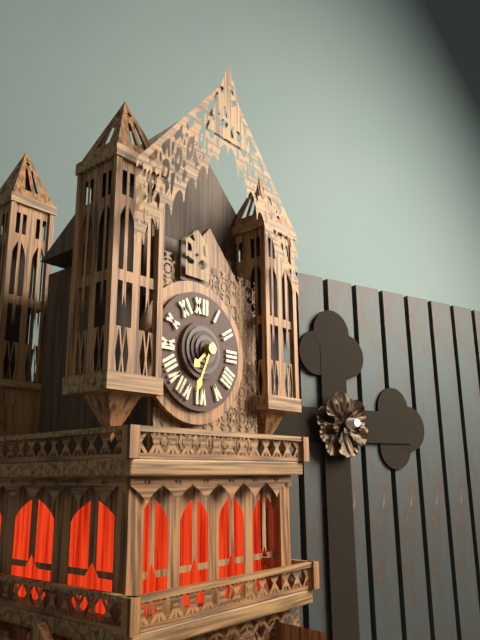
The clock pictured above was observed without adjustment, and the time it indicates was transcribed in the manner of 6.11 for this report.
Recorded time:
7.34
